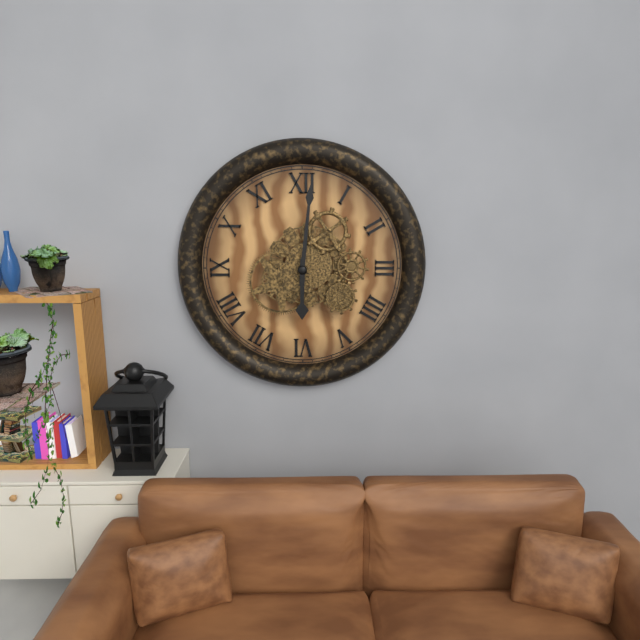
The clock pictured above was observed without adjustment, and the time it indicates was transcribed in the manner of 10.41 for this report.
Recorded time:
6.01
